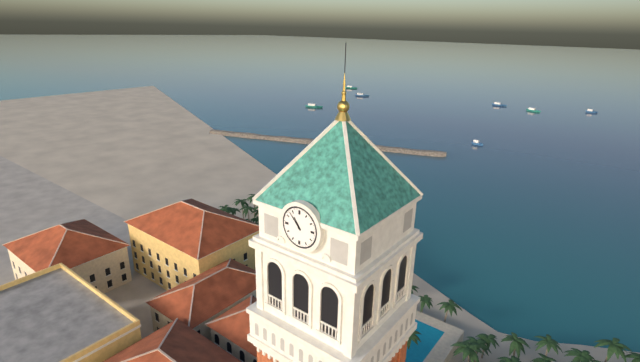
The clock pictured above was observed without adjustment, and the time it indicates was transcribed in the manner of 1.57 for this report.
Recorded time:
10.53
